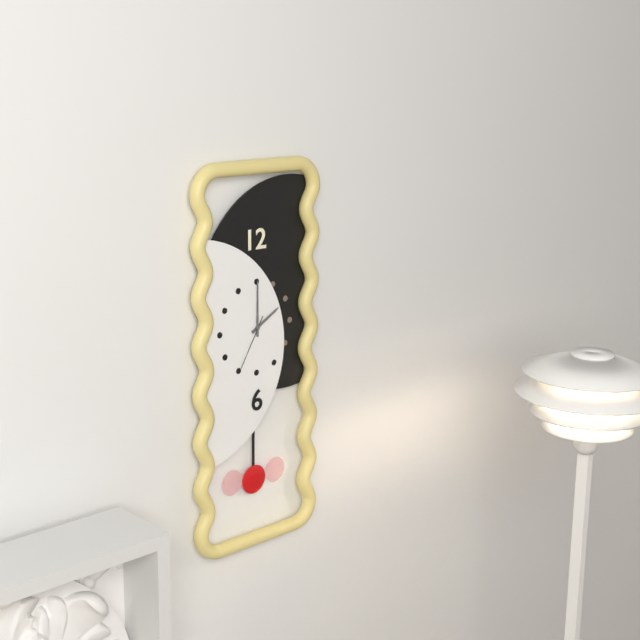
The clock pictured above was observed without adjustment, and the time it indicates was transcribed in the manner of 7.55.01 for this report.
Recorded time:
2.00.35
